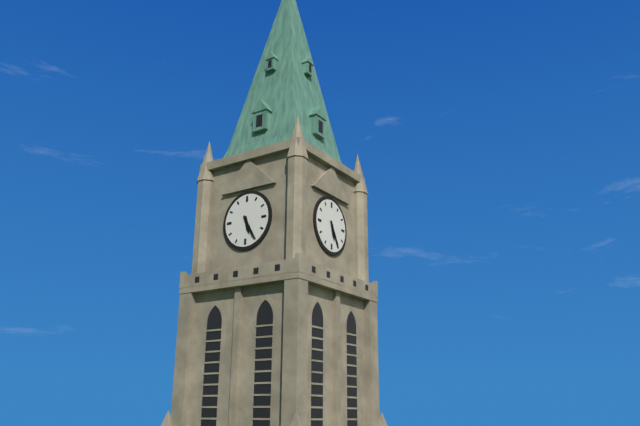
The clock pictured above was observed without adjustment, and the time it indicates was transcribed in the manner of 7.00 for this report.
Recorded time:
5.25
